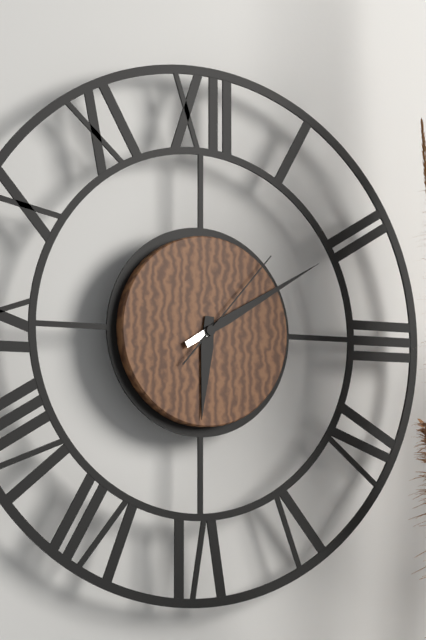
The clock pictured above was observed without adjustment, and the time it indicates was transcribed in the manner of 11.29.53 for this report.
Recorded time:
6.10.07
